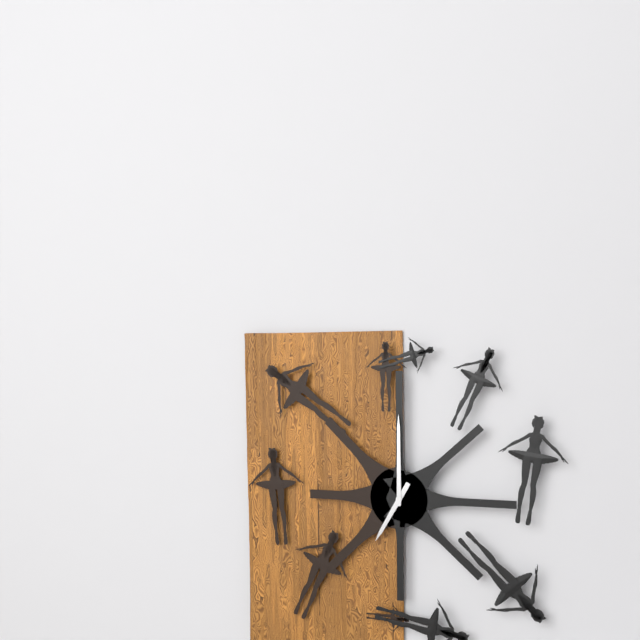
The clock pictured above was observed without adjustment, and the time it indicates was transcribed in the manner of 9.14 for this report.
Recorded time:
7.00
